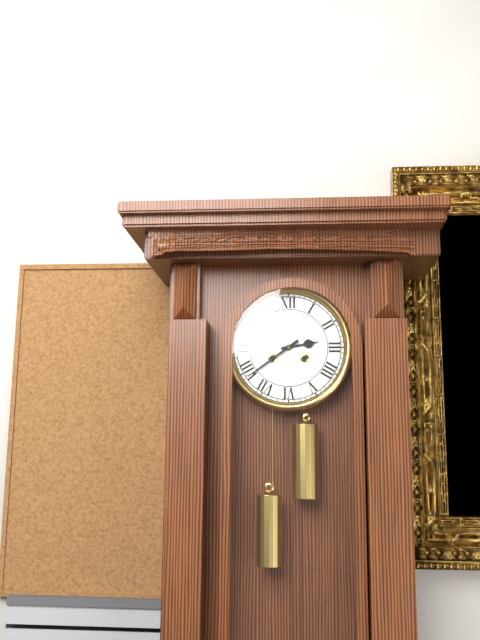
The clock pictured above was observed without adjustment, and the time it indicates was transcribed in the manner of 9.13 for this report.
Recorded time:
2.39
